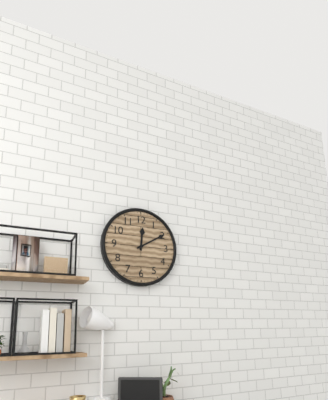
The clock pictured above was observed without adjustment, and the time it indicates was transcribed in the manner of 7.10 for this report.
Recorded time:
12.10
